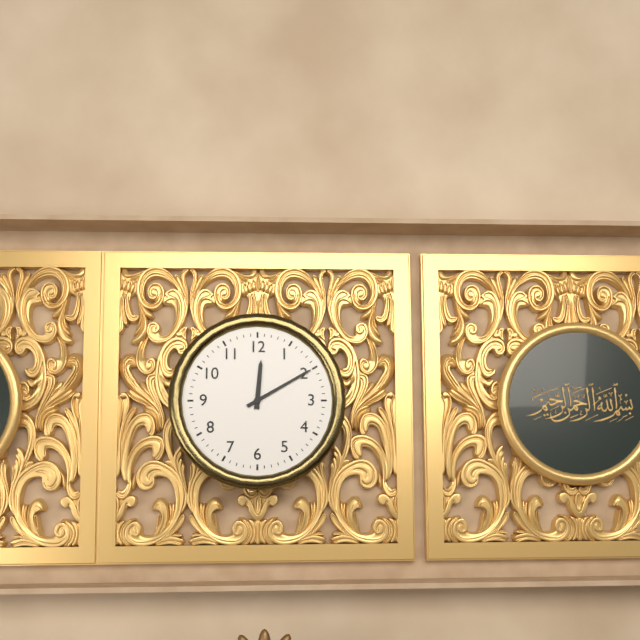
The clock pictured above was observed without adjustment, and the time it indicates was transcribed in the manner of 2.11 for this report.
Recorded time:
12.10
